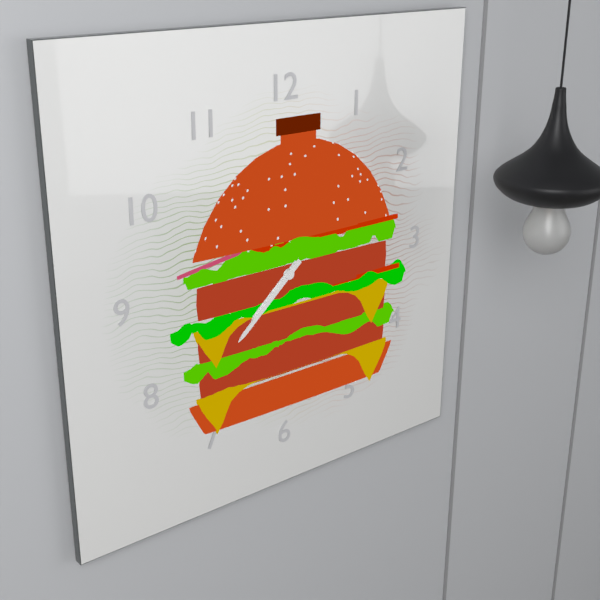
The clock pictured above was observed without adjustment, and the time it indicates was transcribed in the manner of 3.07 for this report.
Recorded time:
7.38
